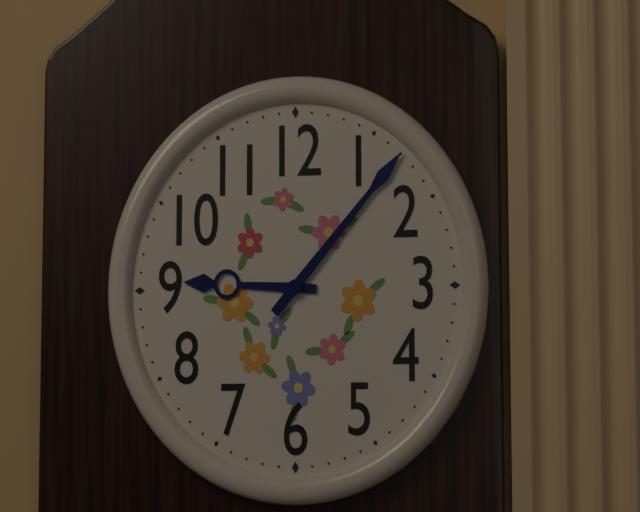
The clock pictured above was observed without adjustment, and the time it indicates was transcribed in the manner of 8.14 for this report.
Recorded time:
9.07
